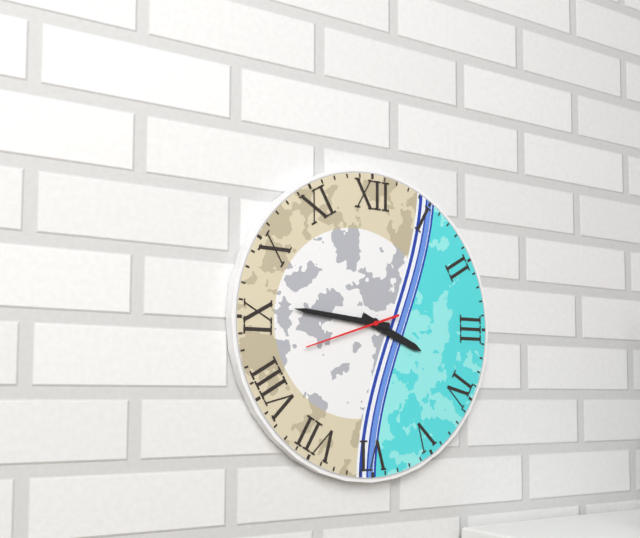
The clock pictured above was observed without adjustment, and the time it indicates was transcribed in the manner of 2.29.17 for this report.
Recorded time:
3.46.42
